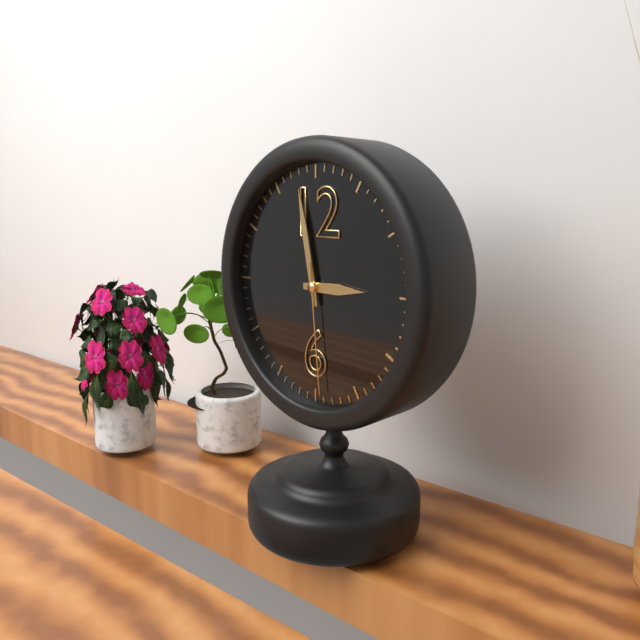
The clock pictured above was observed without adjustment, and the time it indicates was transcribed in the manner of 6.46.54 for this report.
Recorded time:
2.58.29
